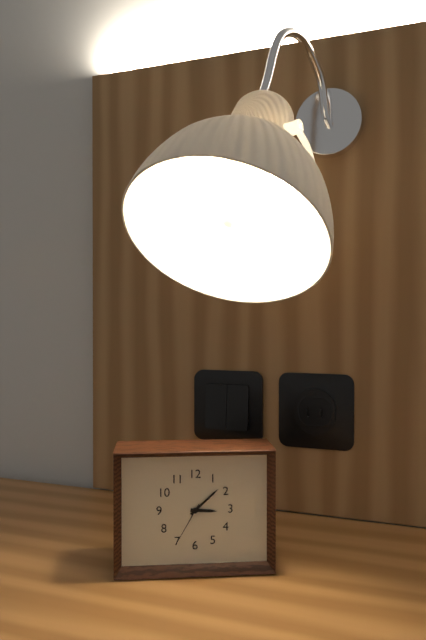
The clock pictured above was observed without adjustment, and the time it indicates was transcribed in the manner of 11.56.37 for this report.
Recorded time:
3.08.35
